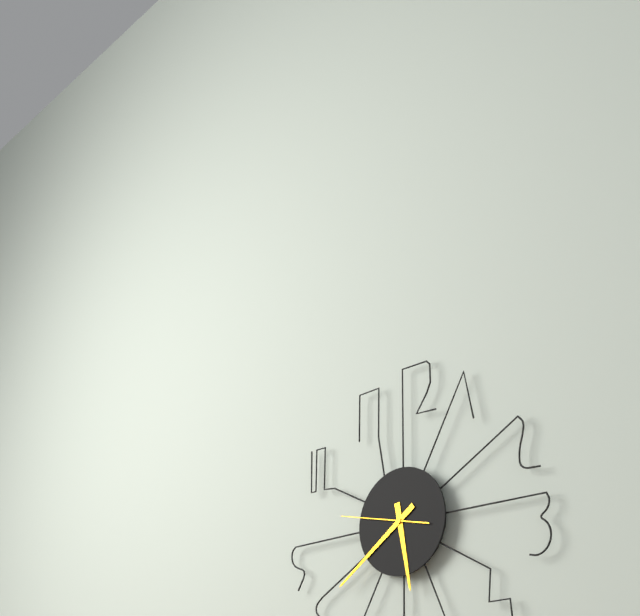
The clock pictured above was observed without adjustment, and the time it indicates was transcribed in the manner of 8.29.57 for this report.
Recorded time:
5.39.47
